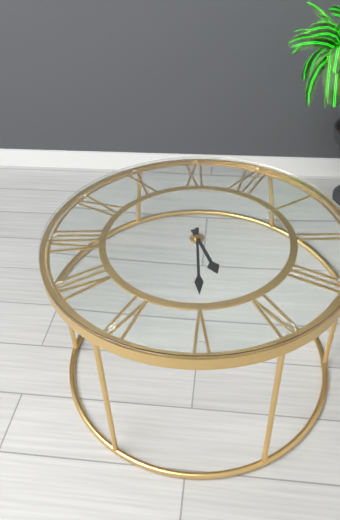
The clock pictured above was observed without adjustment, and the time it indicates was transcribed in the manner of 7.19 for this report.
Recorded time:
4.25
